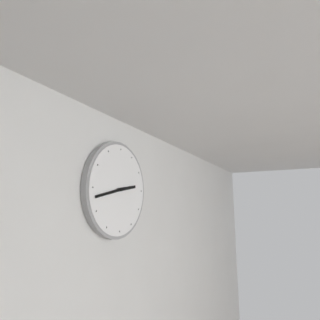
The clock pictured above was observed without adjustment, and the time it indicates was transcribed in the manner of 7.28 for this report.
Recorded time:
2.43
